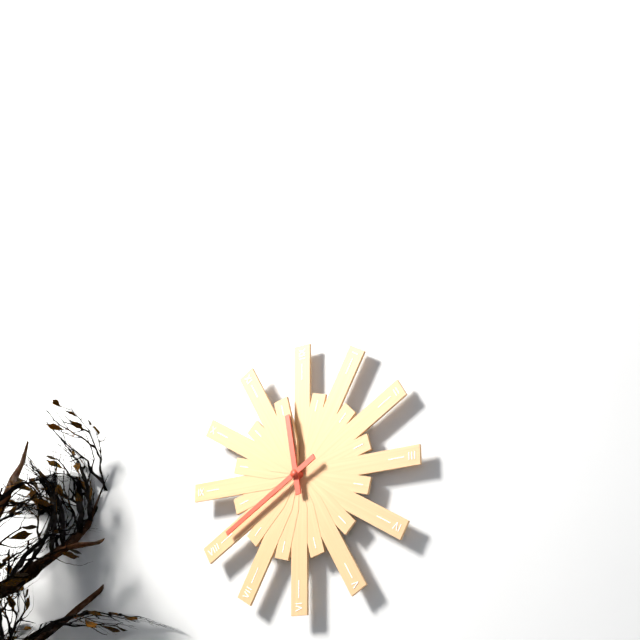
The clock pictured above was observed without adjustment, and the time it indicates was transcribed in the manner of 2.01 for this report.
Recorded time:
11.40
